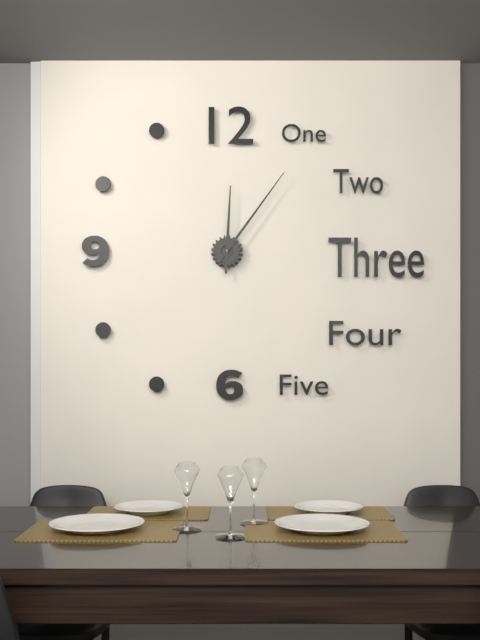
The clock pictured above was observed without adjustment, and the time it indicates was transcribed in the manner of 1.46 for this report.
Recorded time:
12.06
